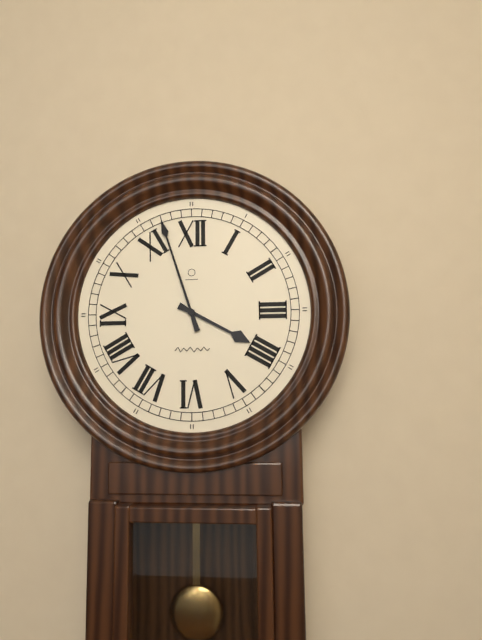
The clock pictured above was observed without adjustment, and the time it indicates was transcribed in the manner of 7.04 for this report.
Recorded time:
3.57
